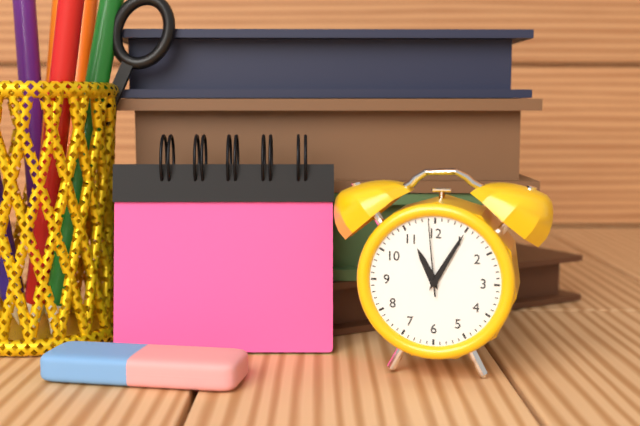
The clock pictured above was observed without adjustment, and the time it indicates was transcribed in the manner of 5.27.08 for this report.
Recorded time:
11.05.59
